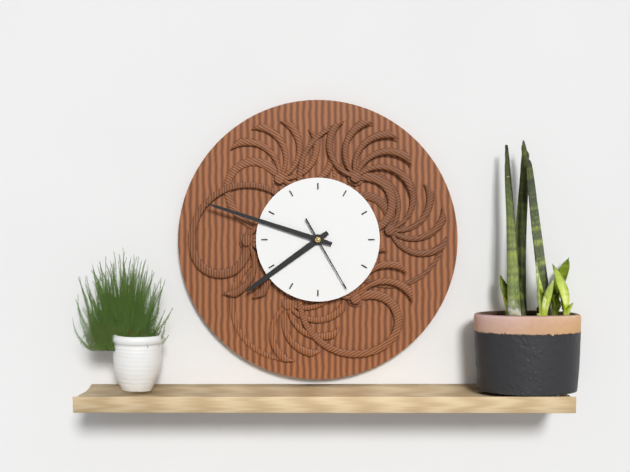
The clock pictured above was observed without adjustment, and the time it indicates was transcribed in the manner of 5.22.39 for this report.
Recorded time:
7.48.25
